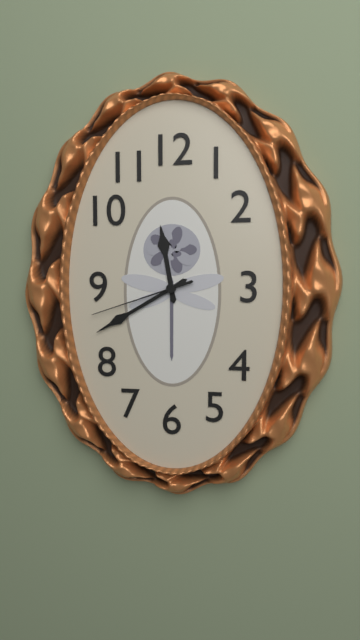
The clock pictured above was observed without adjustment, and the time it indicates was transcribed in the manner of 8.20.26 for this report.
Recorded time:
11.40.42
